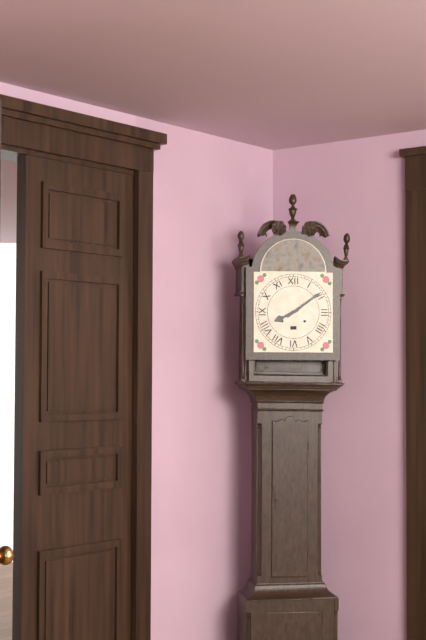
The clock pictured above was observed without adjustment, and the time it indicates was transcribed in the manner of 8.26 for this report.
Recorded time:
8.09
